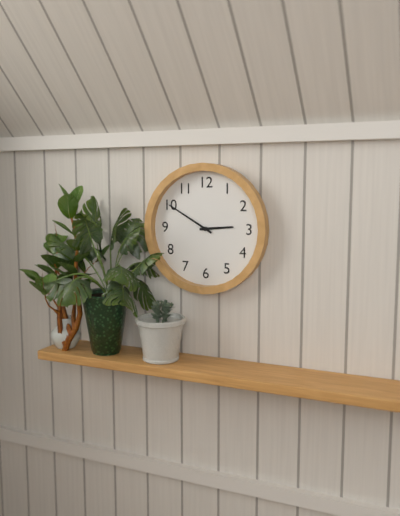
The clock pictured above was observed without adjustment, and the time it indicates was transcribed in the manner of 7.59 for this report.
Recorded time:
2.50
